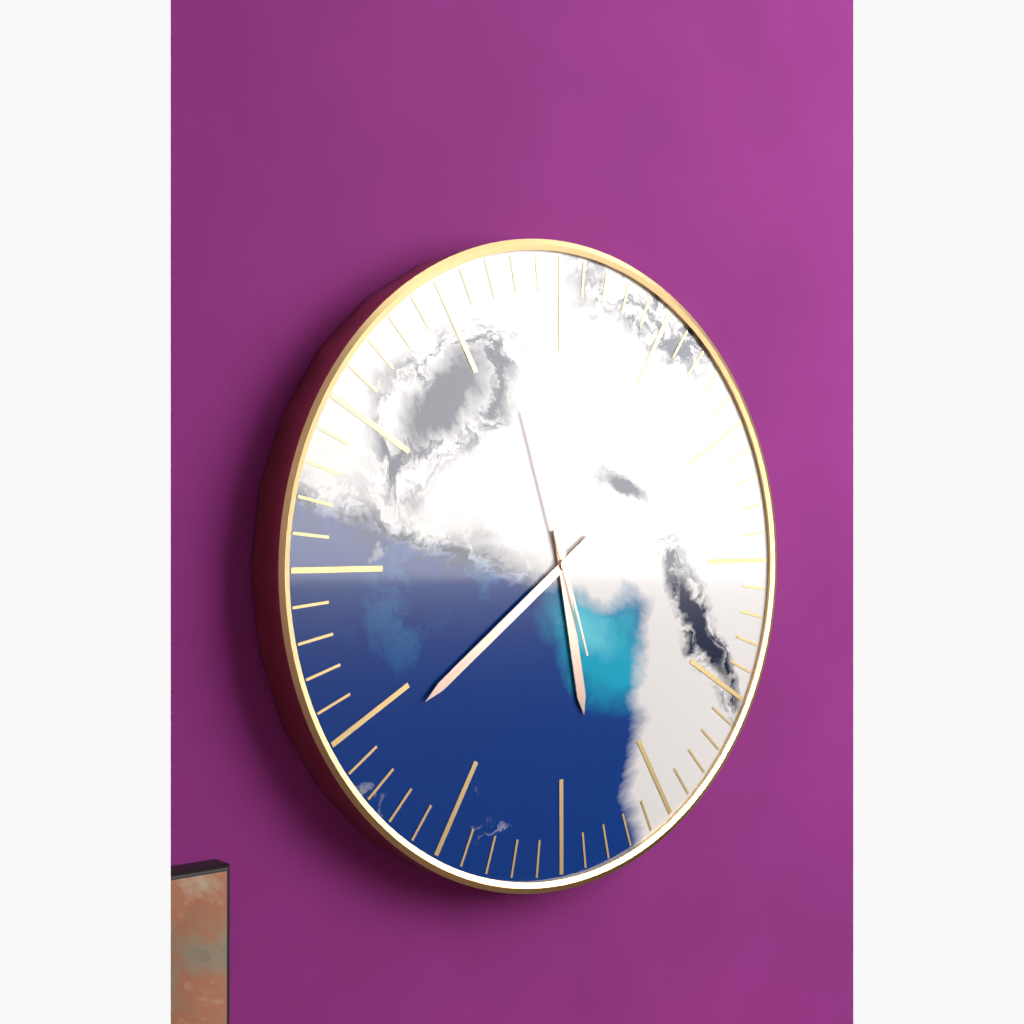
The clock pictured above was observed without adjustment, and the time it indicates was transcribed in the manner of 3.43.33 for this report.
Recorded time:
5.39.57
